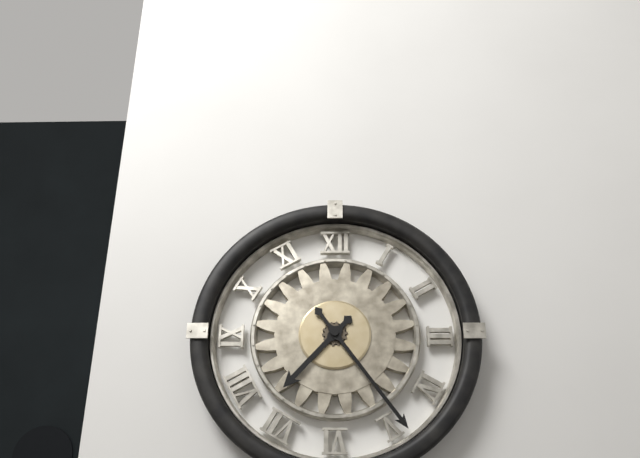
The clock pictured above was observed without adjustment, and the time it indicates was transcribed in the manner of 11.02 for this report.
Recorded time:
7.24
